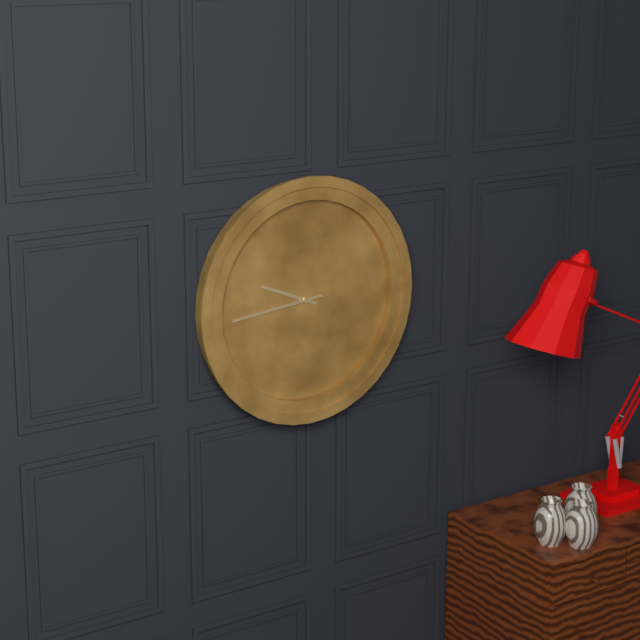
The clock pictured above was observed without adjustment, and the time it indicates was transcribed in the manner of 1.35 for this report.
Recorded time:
9.44
